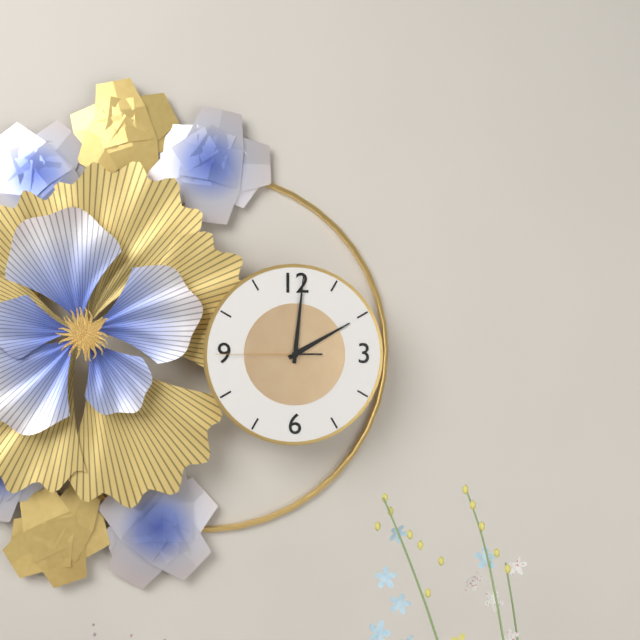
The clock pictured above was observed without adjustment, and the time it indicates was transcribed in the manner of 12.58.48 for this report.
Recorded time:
2.01.45
